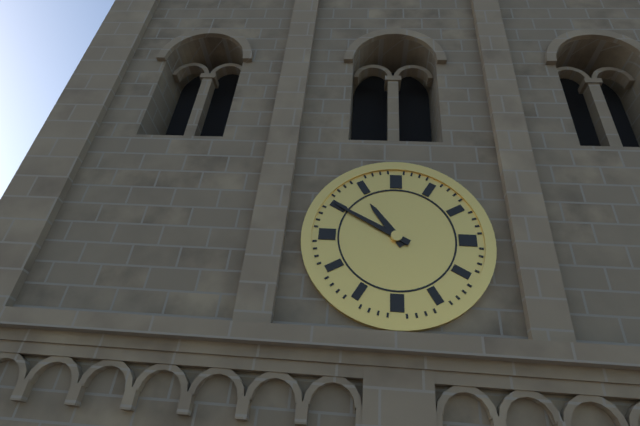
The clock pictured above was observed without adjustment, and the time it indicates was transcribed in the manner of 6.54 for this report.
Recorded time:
10.50
